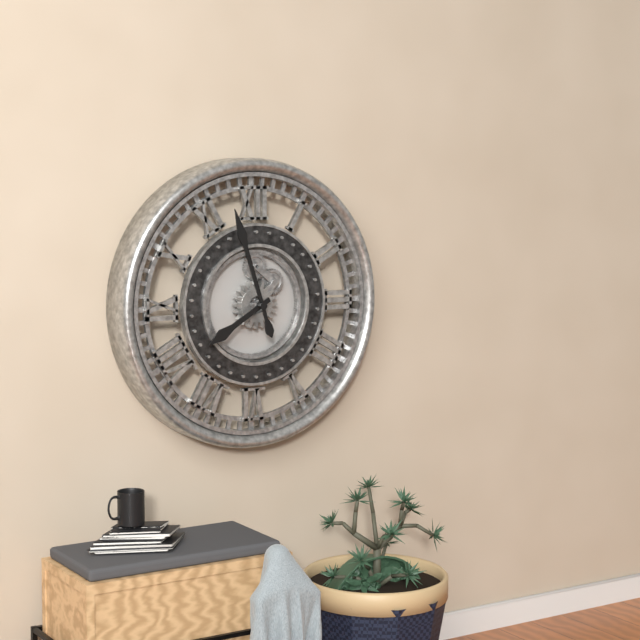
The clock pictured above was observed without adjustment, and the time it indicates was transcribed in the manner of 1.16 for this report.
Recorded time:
7.57
